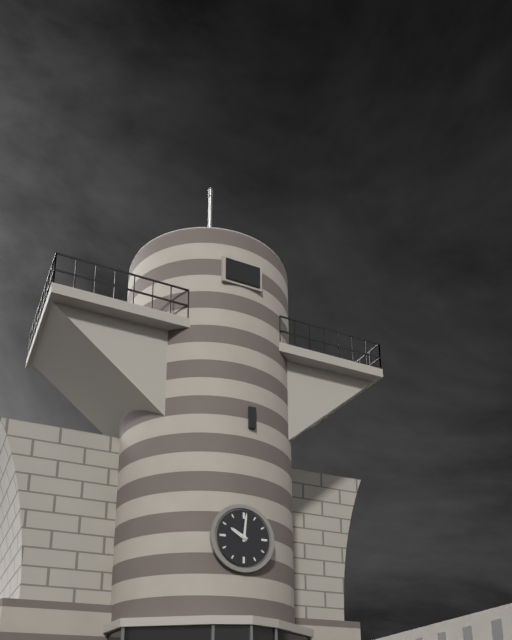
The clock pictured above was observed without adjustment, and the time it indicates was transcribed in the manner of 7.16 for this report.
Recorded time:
10.01
